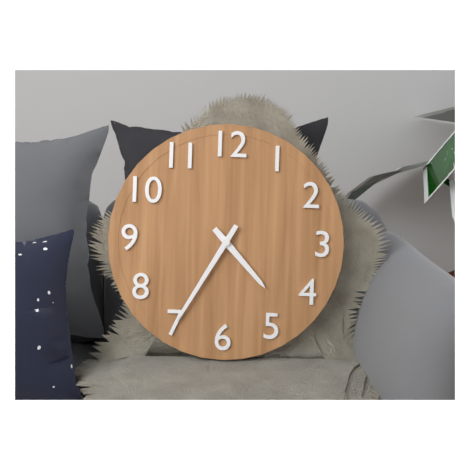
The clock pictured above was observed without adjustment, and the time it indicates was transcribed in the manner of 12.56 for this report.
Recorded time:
4.35
